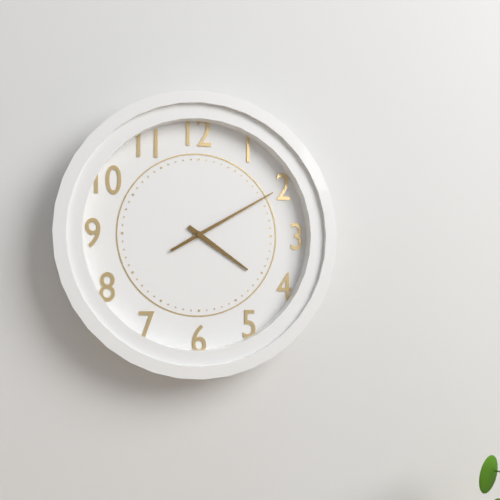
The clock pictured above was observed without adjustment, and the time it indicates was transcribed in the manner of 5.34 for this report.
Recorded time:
4.10
